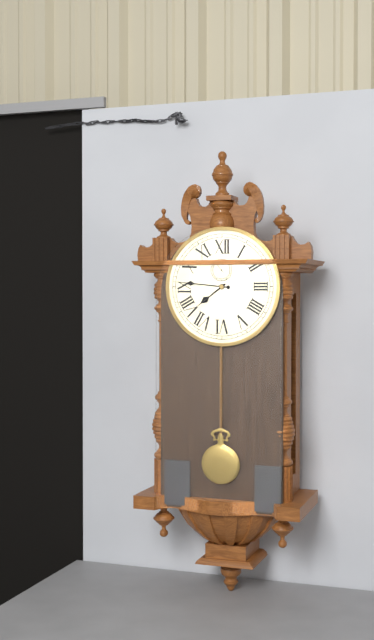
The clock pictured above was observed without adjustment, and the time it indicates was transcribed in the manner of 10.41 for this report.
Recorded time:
7.46
